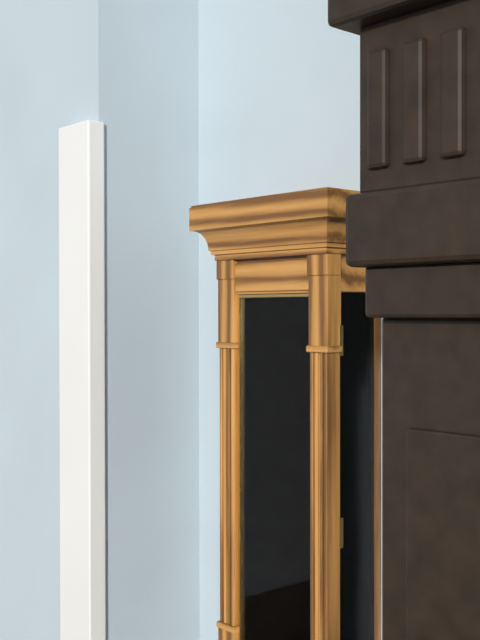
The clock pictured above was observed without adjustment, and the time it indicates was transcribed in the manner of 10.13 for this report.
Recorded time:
12.30
